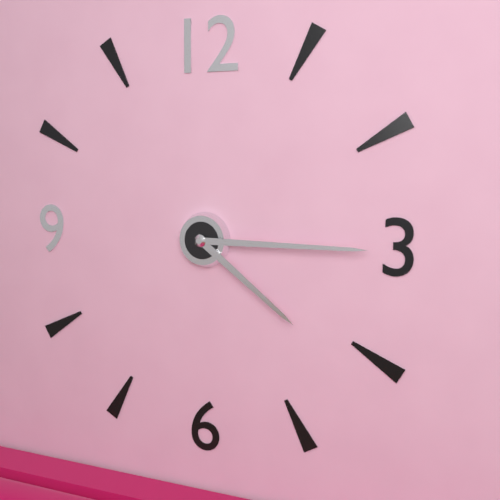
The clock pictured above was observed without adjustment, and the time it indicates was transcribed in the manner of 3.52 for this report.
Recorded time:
4.15
